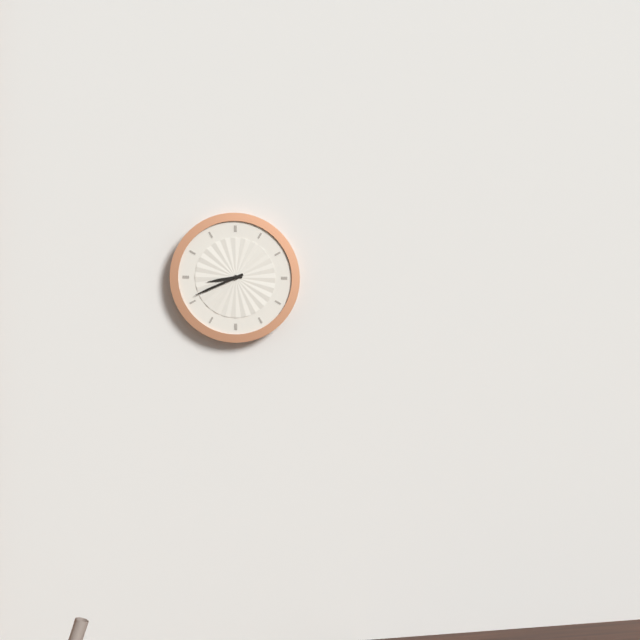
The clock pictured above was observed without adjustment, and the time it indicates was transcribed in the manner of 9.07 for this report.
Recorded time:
8.41
